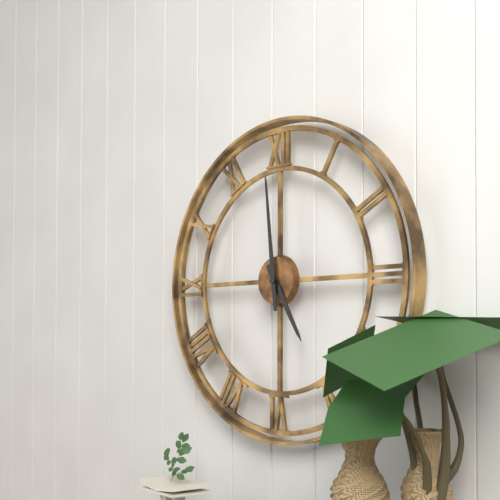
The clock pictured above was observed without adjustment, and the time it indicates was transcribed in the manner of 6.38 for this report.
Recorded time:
4.59
